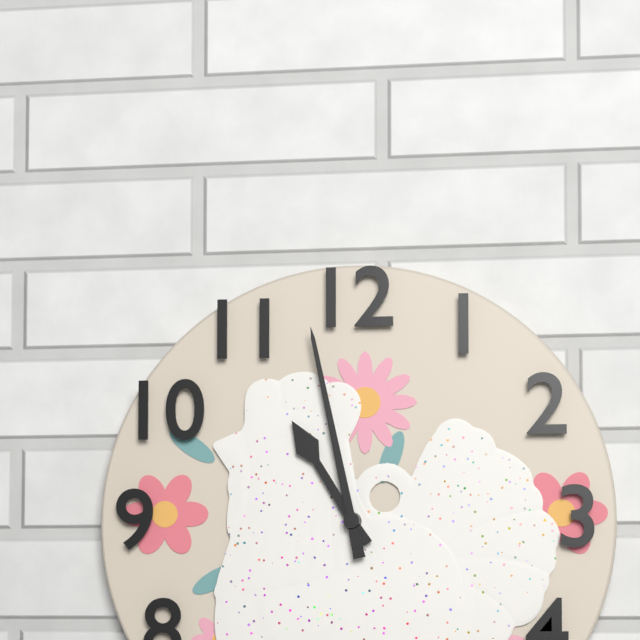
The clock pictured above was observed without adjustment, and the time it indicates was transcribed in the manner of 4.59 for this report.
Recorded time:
10.58
